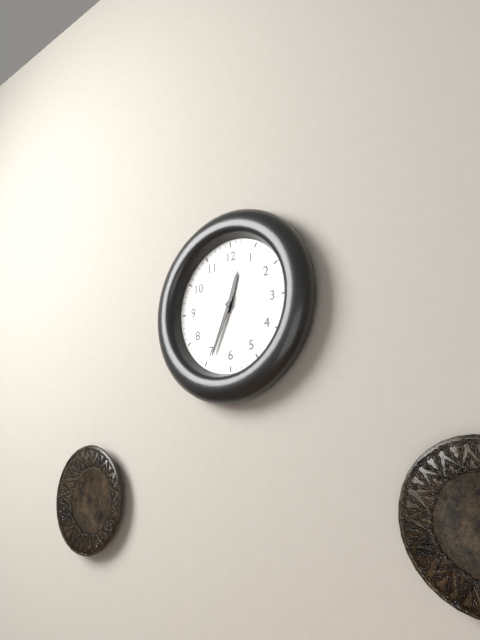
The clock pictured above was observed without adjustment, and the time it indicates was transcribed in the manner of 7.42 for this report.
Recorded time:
12.34
